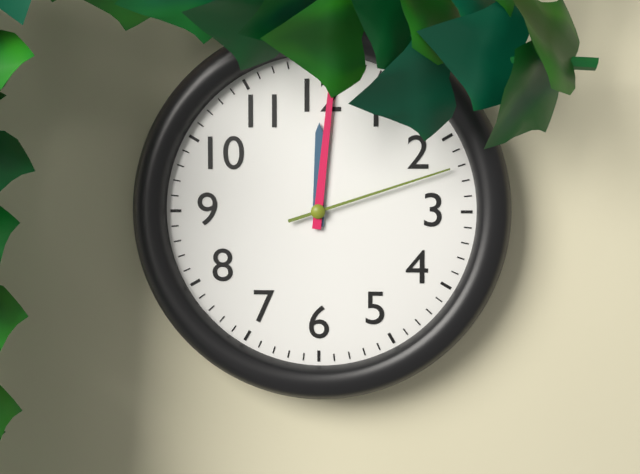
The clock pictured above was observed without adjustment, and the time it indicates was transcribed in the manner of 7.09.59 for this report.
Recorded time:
12.01.12
